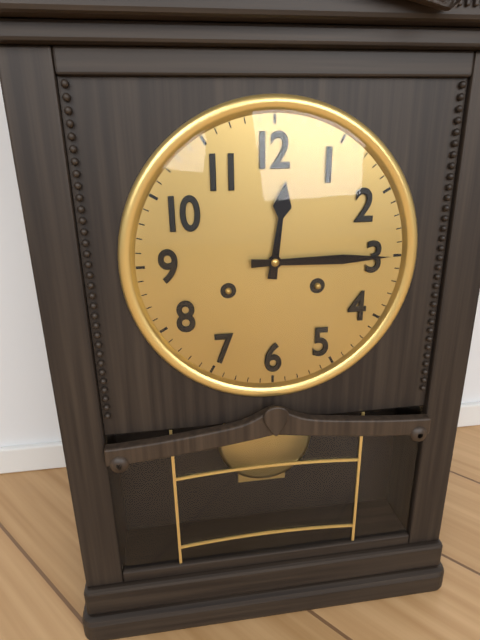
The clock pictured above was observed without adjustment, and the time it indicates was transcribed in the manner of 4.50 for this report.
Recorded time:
12.15
